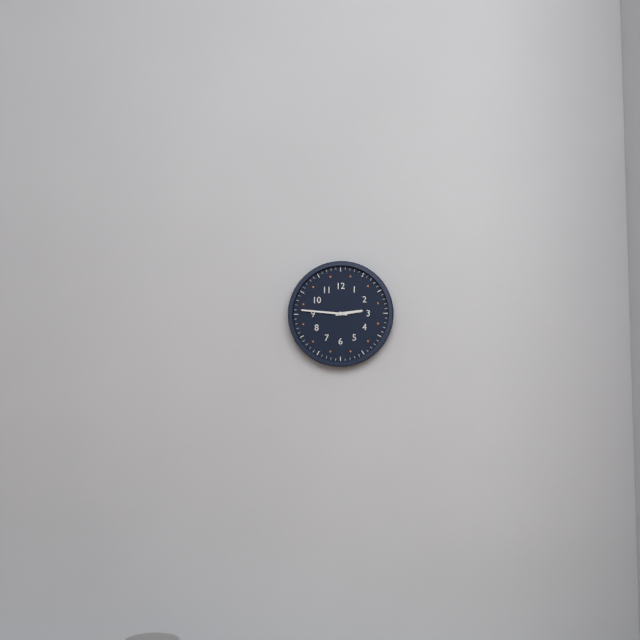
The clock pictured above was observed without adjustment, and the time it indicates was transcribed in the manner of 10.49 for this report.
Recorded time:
2.46
